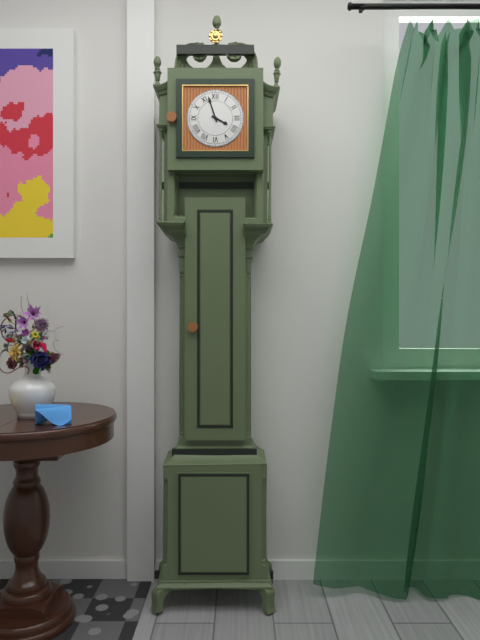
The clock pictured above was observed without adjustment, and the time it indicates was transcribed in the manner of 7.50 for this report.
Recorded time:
3.57
